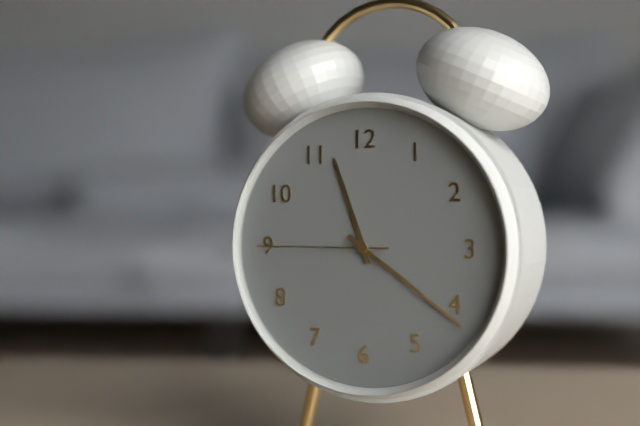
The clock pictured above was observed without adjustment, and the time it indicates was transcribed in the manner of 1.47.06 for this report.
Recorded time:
11.21.45
